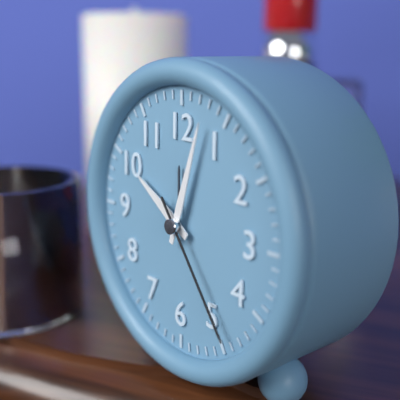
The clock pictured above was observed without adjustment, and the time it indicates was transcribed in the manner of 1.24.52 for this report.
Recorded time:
10.03.24
